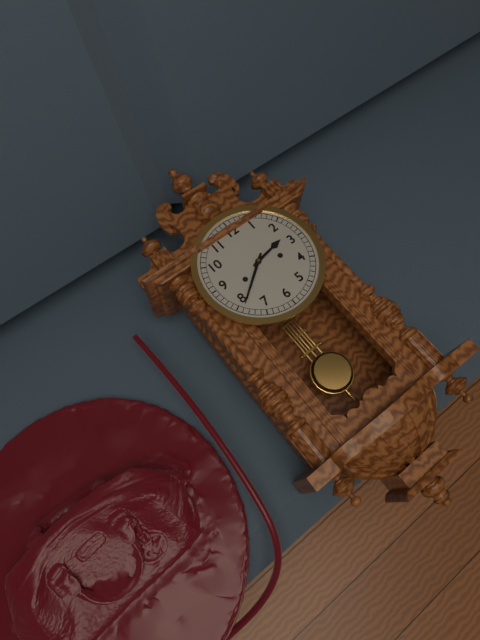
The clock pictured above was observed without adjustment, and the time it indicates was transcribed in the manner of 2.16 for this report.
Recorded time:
2.39
